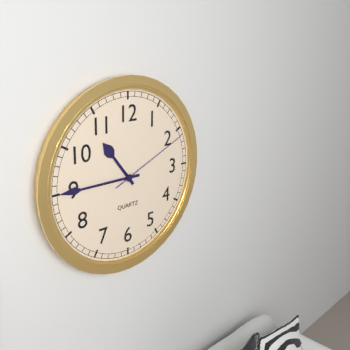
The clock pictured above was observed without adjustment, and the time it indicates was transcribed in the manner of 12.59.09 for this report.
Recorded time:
10.45.11
